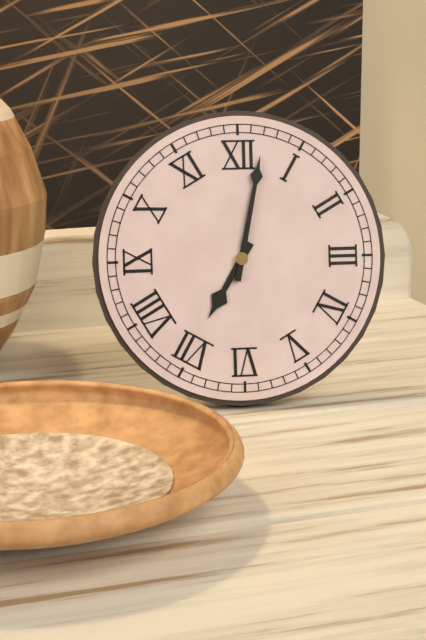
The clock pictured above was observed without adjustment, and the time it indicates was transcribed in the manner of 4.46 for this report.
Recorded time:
7.02
